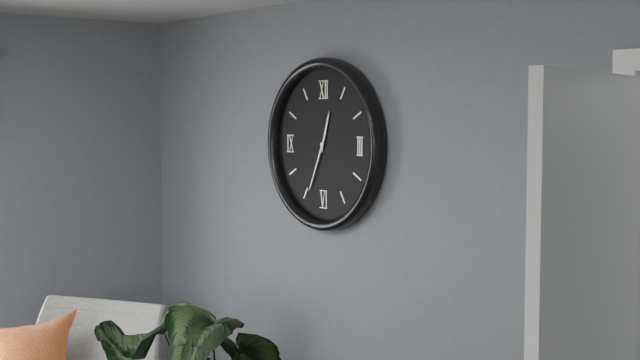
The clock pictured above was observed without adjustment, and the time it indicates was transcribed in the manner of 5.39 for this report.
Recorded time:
12.34
